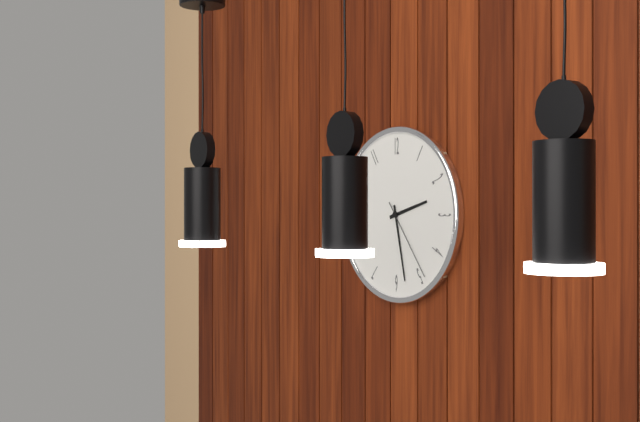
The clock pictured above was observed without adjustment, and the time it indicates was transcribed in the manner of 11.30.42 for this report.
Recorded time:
2.28.24
